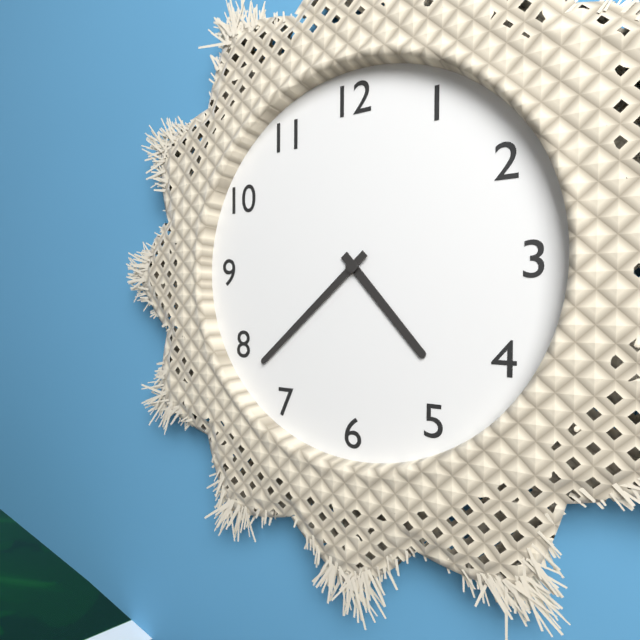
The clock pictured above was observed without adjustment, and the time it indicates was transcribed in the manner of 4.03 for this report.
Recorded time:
4.38
